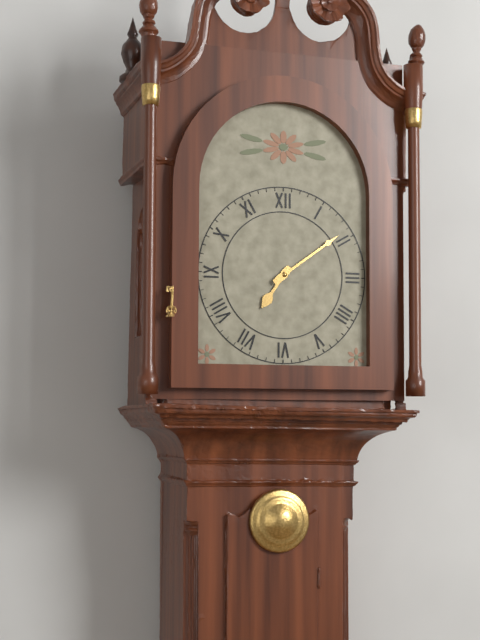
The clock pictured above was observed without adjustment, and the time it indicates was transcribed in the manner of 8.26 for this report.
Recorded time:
7.09
